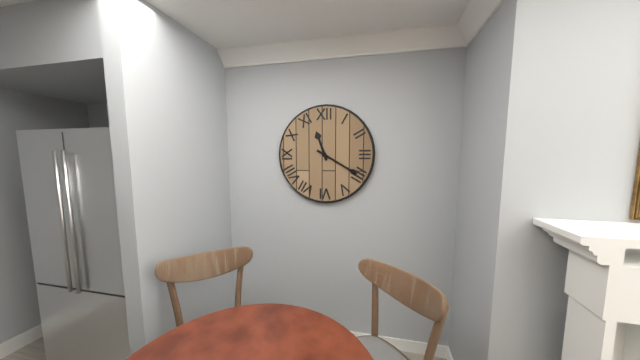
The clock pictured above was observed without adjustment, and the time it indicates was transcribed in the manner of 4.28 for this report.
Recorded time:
11.20
